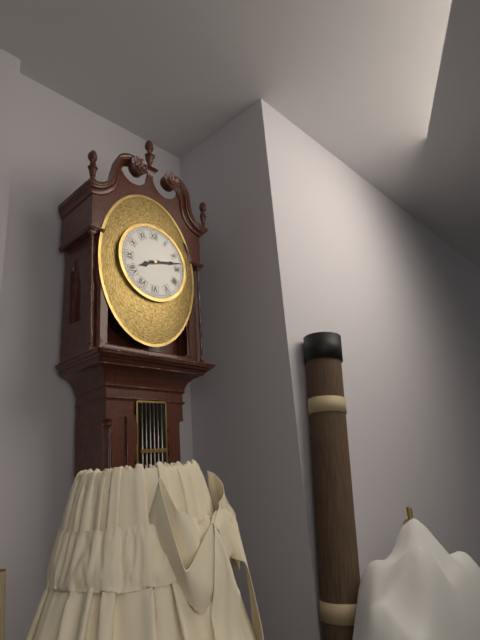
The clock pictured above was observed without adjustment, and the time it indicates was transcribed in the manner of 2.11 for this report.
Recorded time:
8.13
